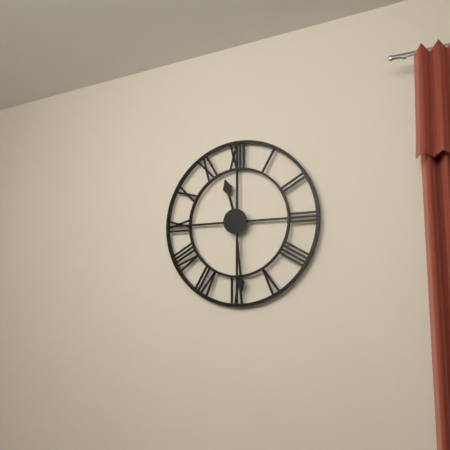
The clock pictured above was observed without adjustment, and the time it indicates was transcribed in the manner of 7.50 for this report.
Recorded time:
11.29
